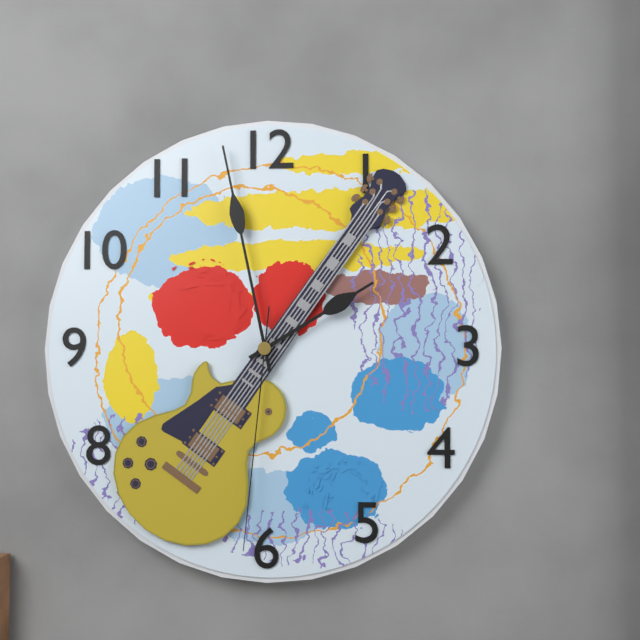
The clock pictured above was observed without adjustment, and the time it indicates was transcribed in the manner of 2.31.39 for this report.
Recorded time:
1.58.31
